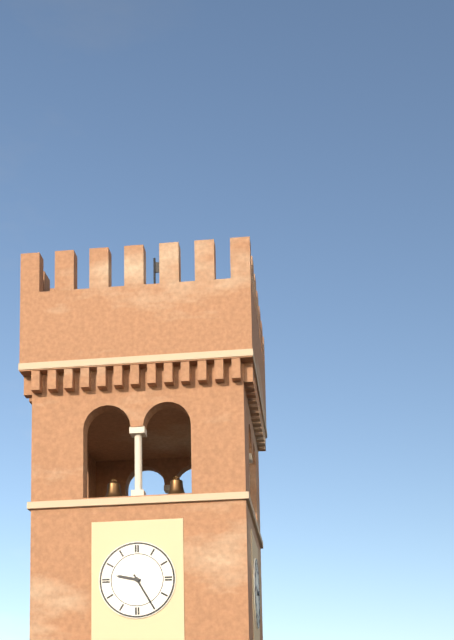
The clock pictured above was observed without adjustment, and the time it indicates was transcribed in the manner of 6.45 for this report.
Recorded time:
9.25
